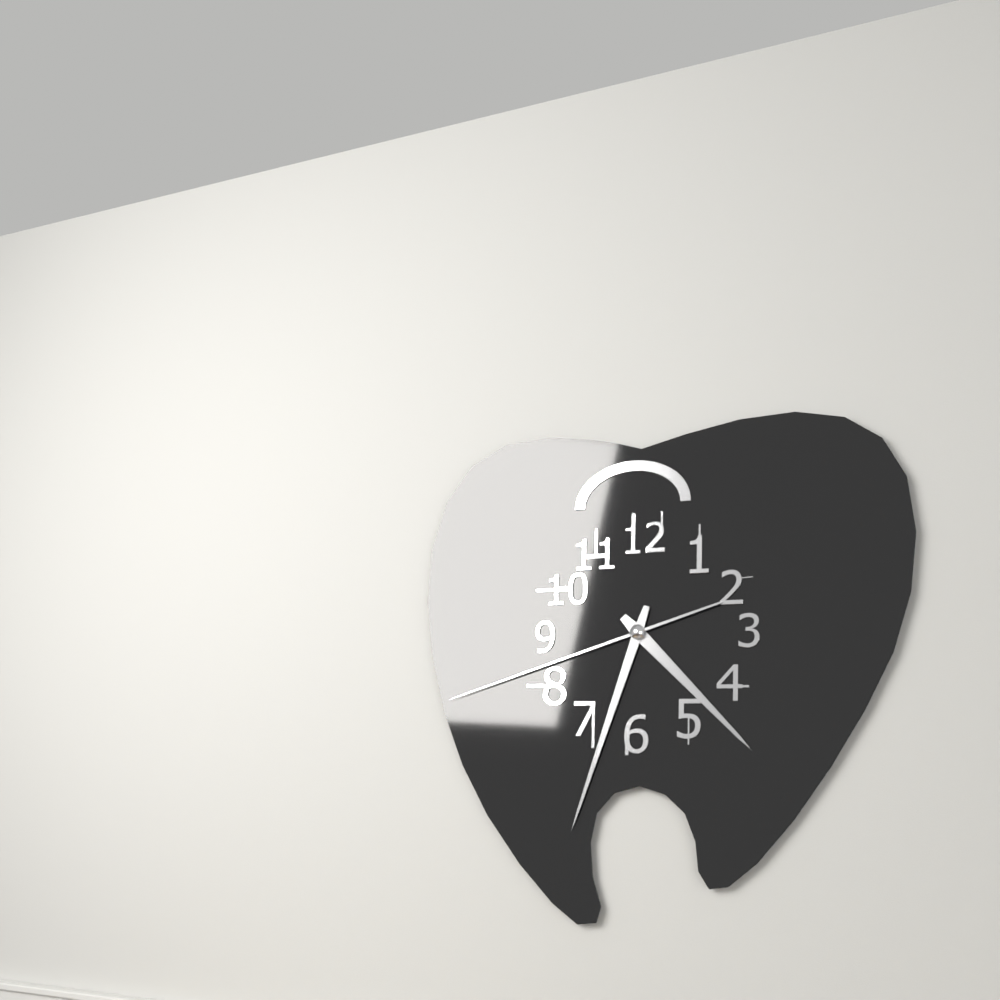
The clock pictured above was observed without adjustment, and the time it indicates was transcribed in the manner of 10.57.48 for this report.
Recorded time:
4.33.42
